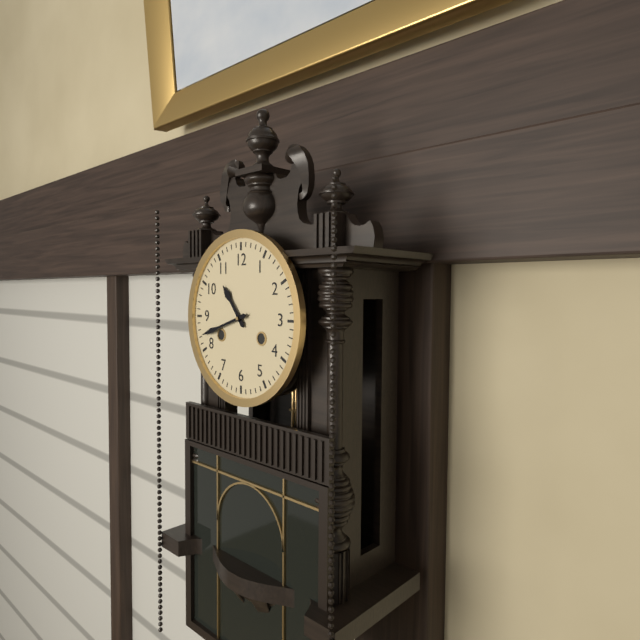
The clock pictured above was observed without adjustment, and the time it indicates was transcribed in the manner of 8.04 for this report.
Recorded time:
10.42
